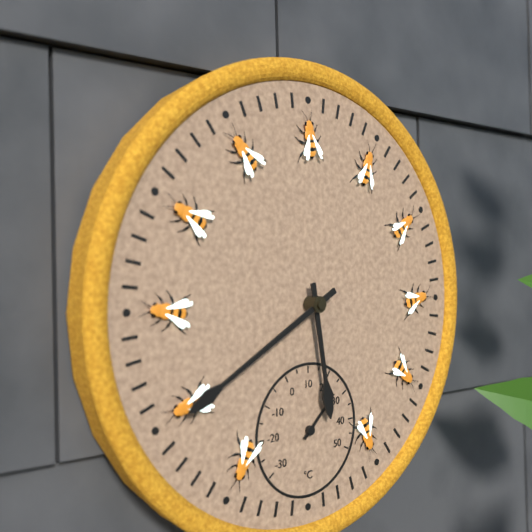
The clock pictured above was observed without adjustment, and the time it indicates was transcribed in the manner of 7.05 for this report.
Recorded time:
5.40
